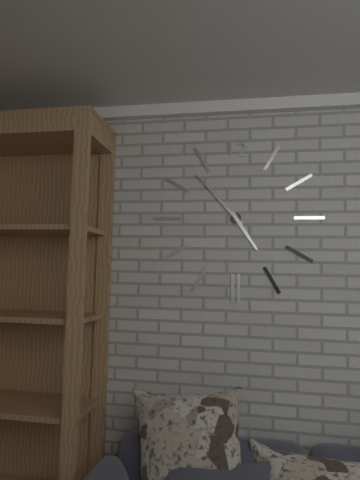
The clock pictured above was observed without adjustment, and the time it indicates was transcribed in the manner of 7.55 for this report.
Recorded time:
4.53
